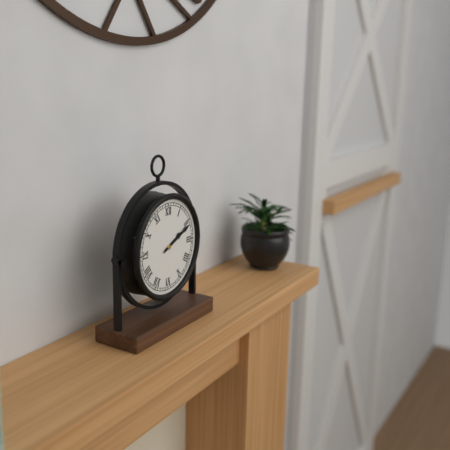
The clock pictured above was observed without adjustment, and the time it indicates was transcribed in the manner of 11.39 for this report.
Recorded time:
2.11
